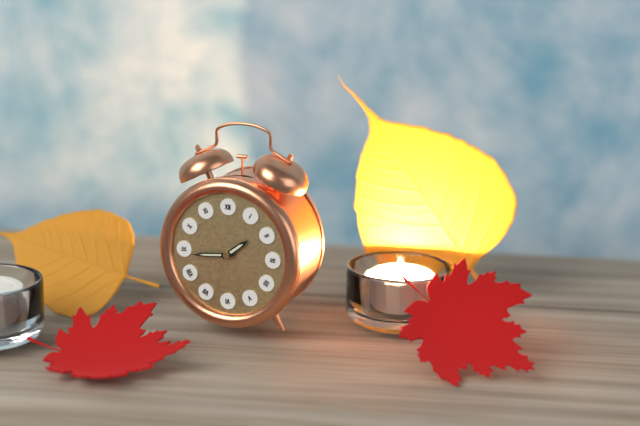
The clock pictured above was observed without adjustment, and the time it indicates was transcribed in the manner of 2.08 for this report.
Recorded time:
1.44
